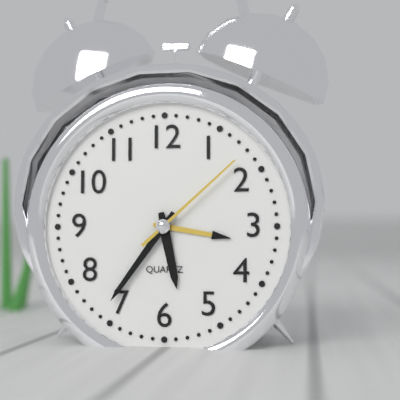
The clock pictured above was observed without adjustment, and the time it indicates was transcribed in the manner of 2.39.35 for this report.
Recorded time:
5.36.08
